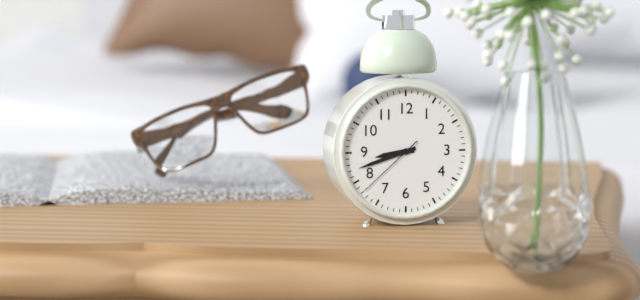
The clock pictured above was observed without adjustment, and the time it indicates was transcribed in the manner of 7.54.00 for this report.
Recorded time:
8.42.38
